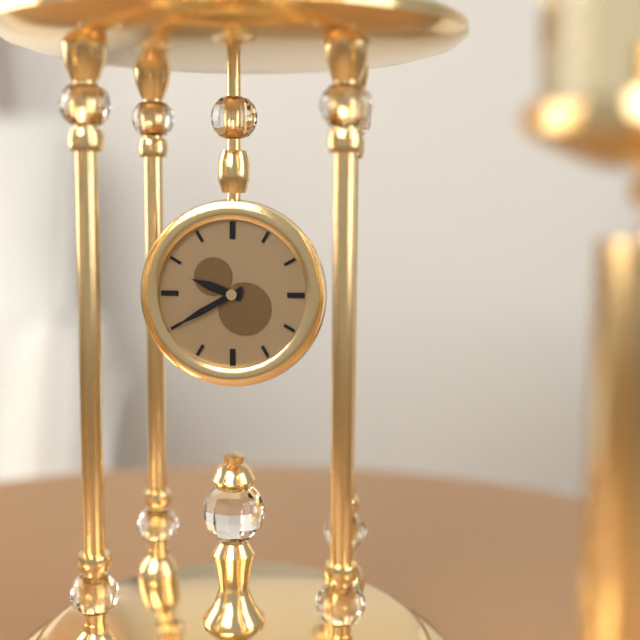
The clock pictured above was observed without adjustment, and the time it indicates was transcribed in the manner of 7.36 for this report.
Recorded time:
9.40
